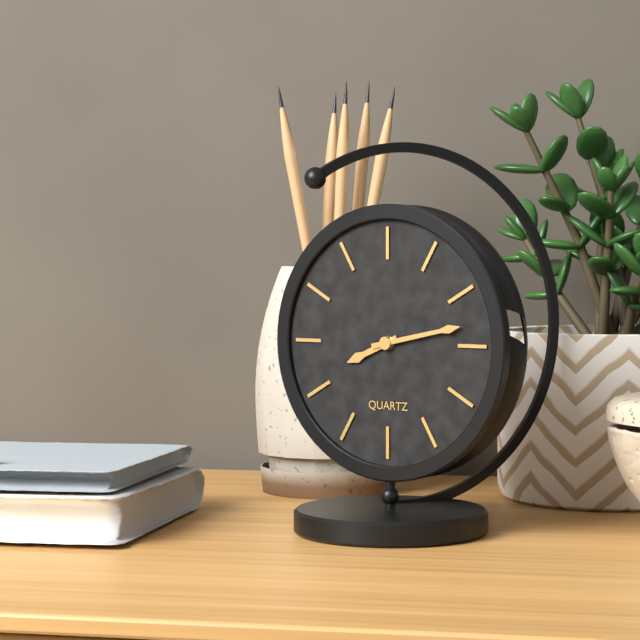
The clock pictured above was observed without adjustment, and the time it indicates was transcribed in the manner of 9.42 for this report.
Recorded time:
8.13
